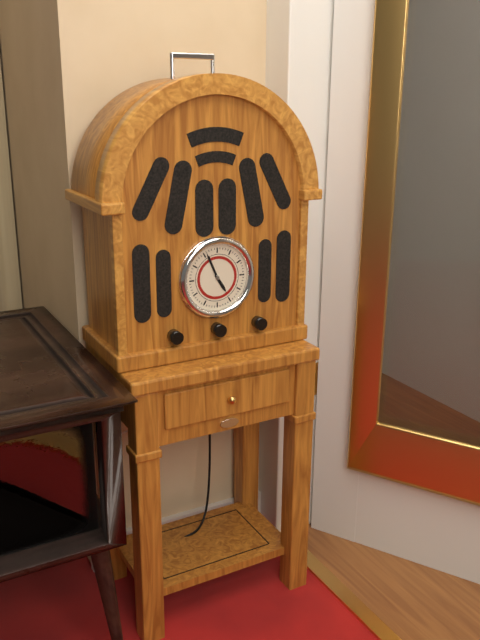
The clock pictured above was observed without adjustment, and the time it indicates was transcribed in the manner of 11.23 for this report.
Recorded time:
4.56
